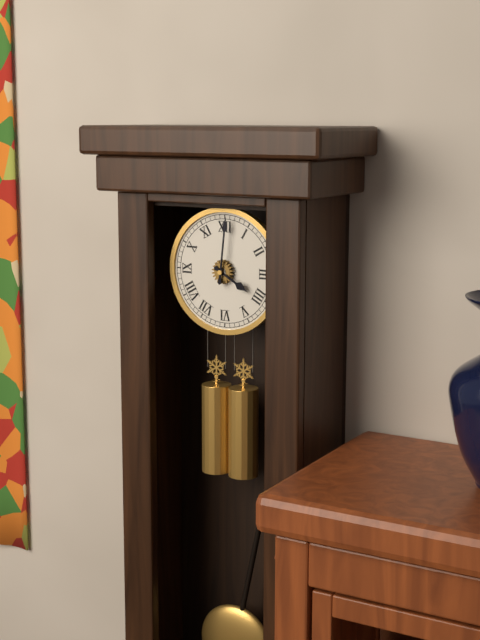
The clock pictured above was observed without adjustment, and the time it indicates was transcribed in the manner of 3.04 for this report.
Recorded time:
4.01
